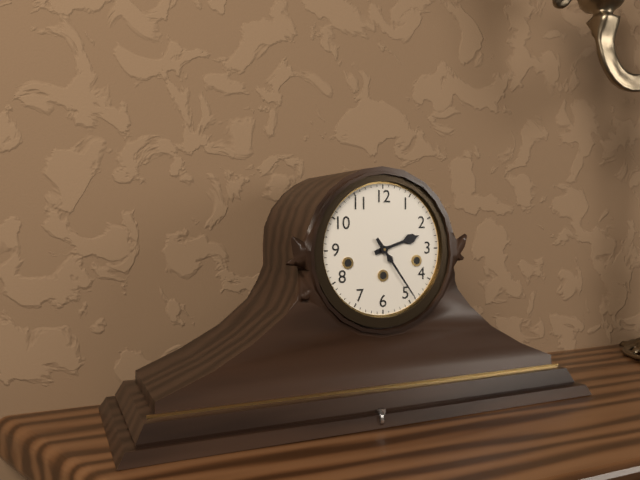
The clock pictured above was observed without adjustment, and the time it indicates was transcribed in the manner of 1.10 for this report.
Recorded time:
2.24
